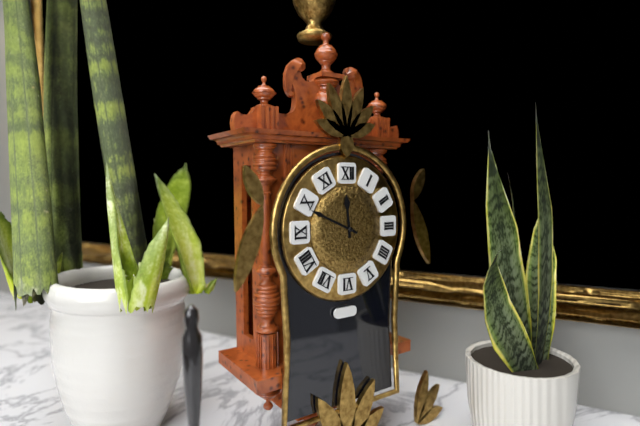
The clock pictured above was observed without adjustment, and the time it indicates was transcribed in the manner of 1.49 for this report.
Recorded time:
11.49
